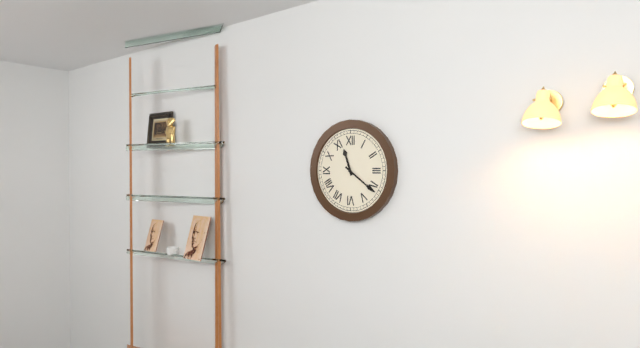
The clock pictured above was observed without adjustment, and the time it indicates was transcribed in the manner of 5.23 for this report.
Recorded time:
11.21
